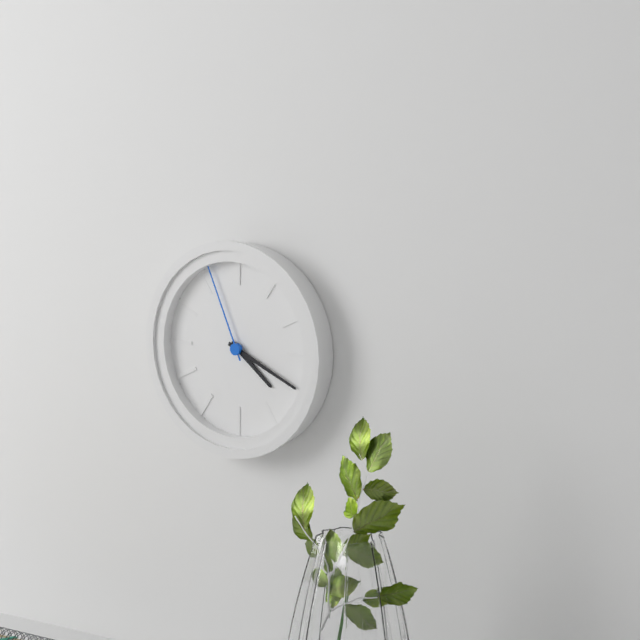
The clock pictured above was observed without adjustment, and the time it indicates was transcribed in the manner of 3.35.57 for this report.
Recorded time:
4.19.56
